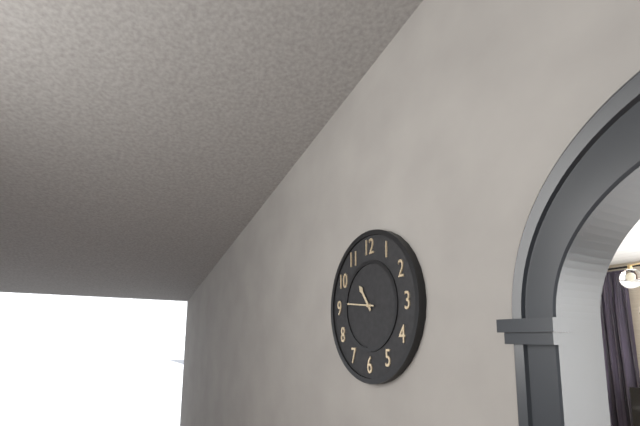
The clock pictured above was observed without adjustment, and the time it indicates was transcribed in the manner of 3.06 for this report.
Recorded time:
10.46
